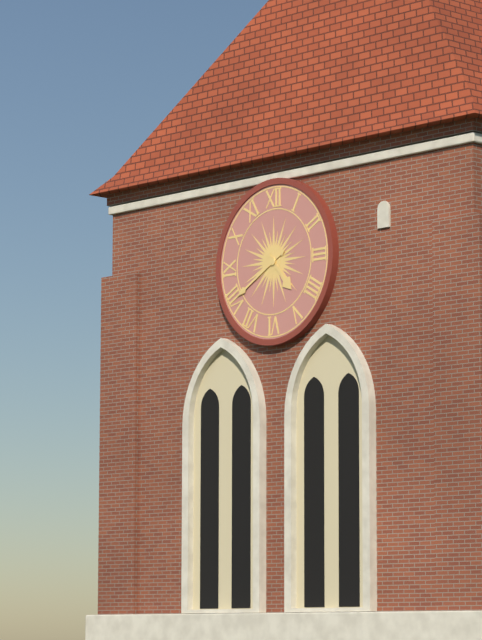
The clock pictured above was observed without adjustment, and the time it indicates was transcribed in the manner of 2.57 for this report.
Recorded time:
4.40
